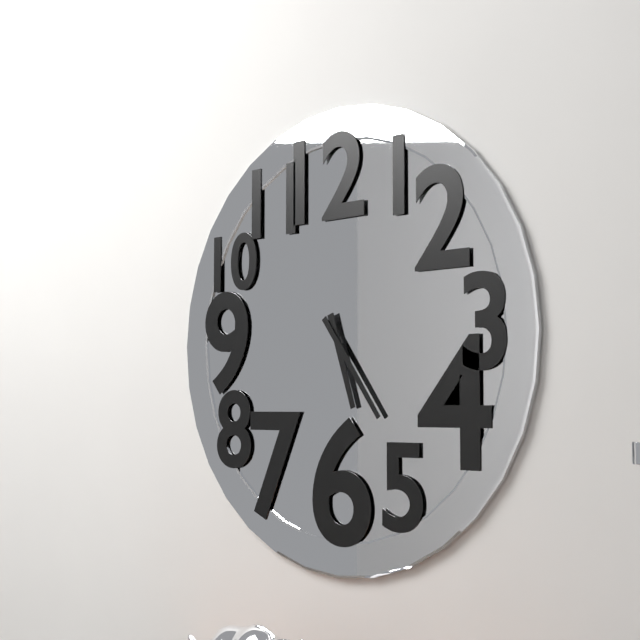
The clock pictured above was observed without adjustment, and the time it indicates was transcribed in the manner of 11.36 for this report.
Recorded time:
5.24
